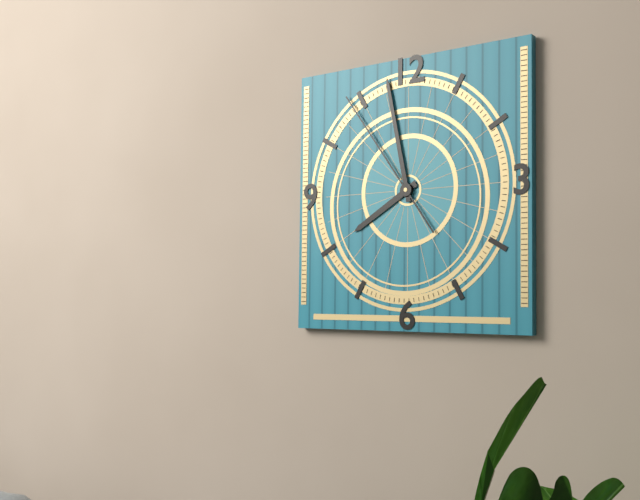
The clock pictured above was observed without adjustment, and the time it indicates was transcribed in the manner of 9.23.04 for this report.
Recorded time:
7.58.54
